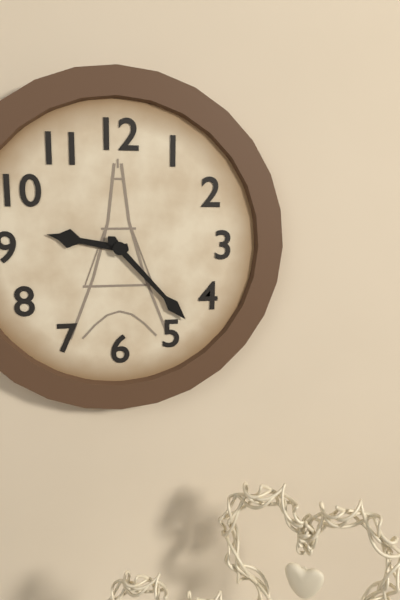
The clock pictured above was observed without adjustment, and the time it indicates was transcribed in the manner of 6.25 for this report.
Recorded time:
9.23
